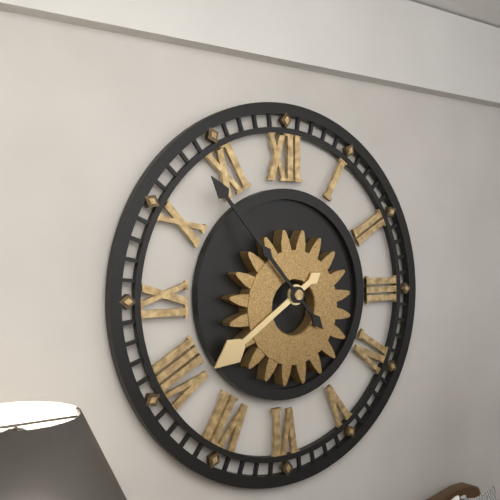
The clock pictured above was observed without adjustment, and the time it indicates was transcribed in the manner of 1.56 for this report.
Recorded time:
7.53
